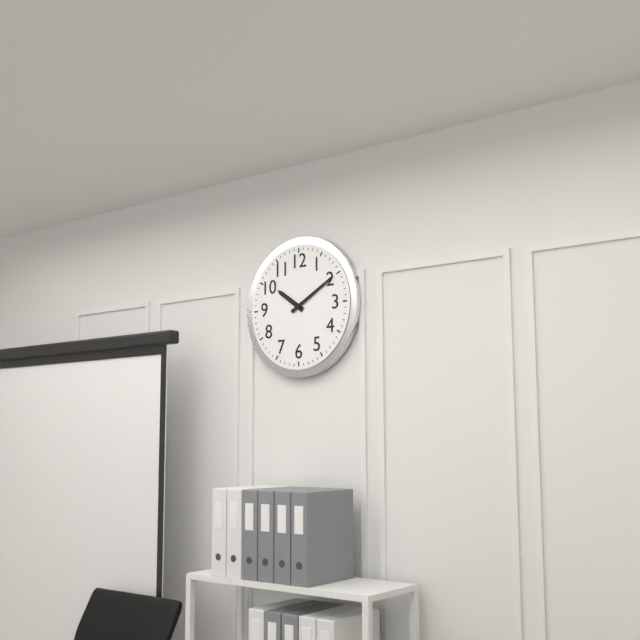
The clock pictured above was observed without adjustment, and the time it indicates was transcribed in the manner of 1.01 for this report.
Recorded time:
10.10
